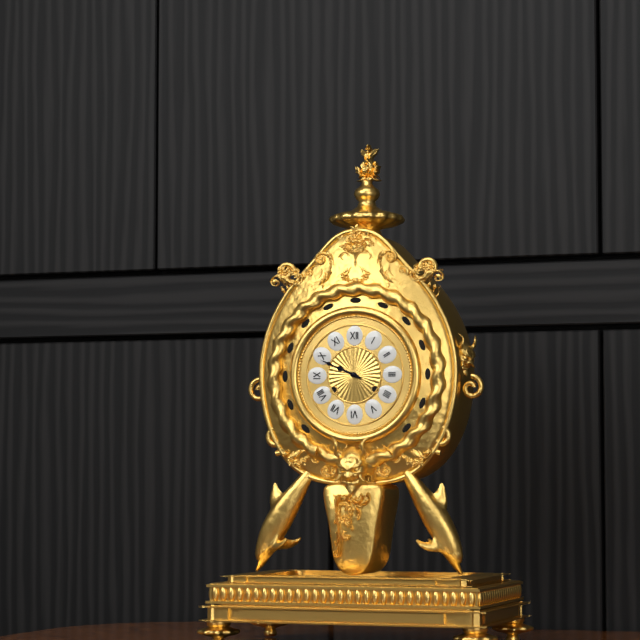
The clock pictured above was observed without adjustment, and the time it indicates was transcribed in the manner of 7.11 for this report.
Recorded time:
9.49
